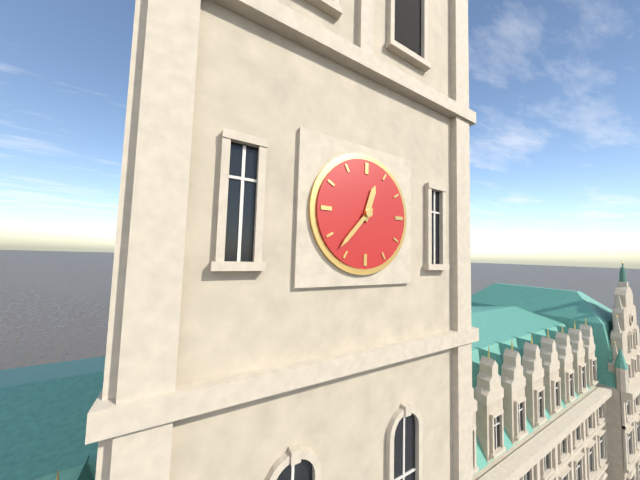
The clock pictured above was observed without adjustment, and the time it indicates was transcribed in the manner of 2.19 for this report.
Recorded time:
12.37
